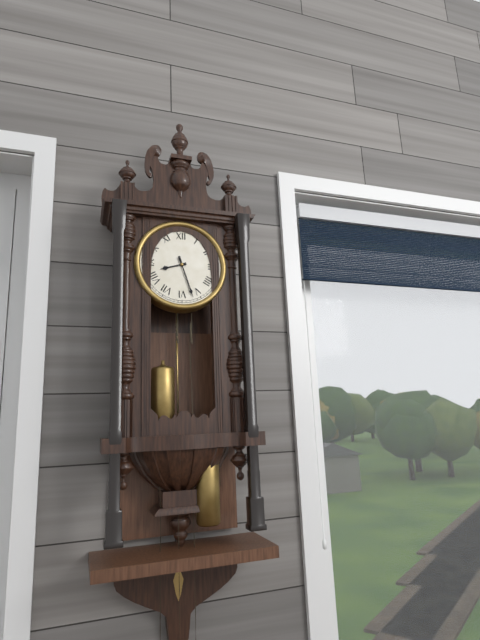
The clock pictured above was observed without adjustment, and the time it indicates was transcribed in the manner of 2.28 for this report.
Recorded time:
8.27
